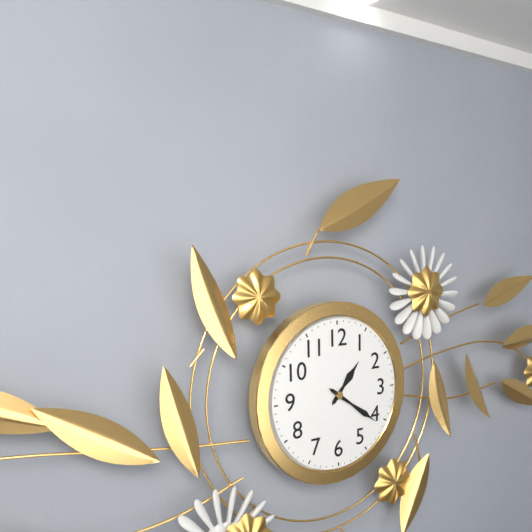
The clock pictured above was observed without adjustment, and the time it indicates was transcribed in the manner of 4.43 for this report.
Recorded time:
1.21
